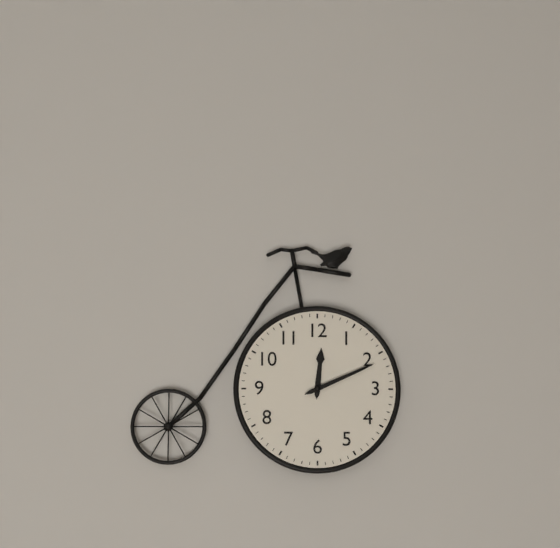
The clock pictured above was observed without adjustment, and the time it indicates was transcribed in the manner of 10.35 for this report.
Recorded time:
12.11
